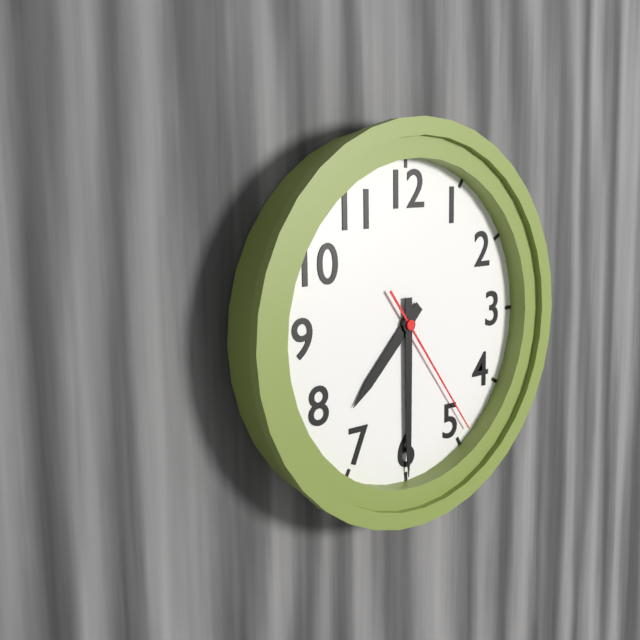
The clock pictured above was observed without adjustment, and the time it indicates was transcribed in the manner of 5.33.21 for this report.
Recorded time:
7.30.24
